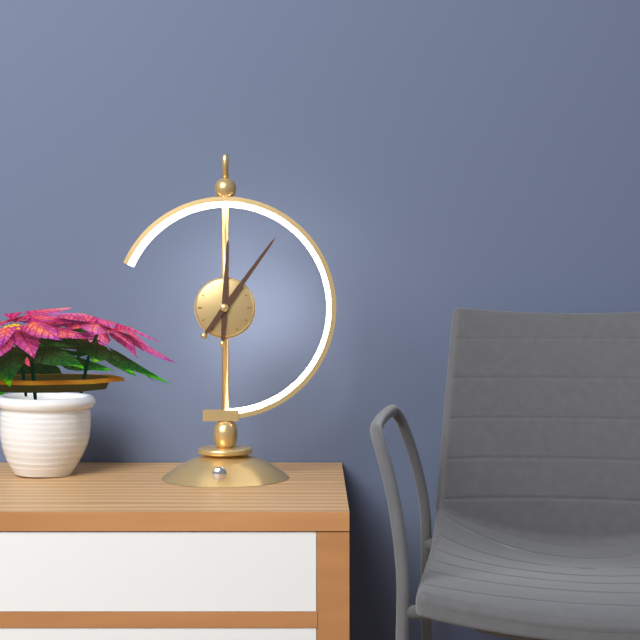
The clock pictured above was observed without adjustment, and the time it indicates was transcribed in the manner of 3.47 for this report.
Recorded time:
12.06
